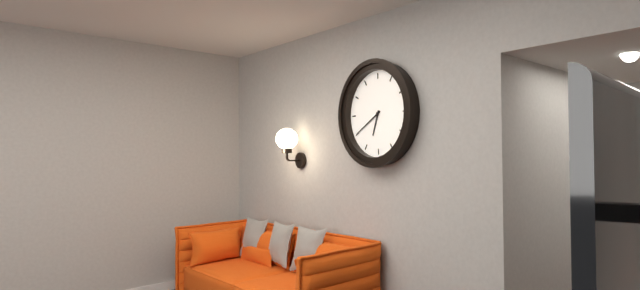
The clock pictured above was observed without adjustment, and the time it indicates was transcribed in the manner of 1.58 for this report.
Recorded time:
6.40
